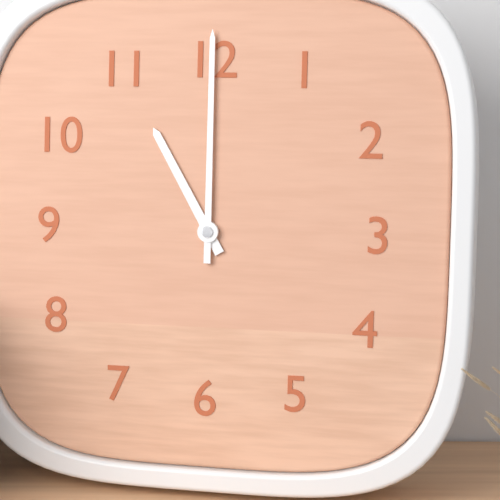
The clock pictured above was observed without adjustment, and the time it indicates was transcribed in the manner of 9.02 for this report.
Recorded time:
11.00
